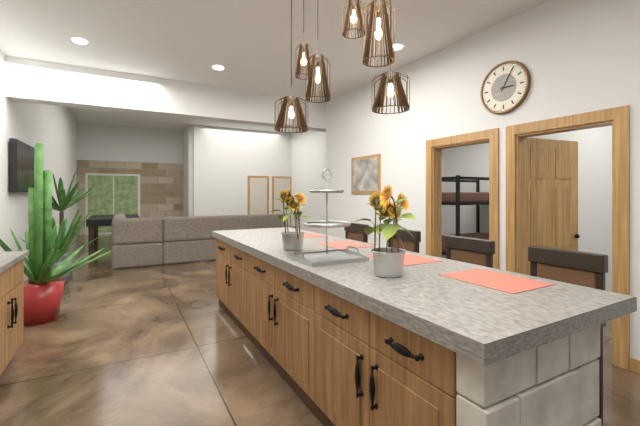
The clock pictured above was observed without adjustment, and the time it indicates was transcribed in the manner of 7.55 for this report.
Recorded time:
3.05
